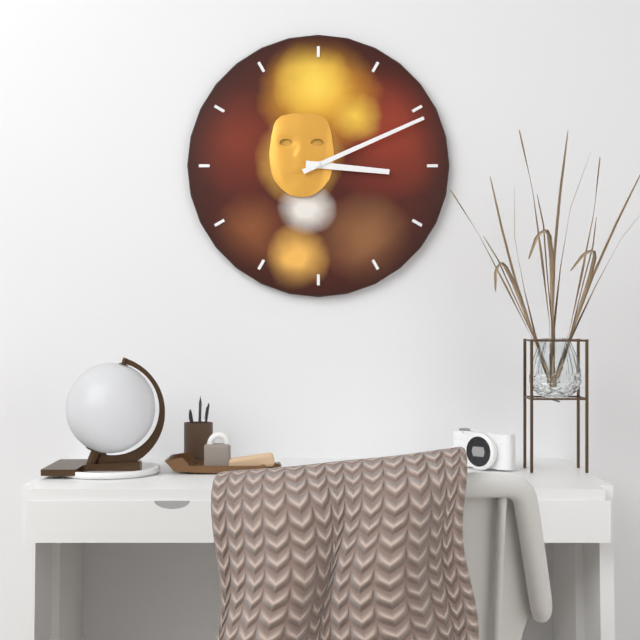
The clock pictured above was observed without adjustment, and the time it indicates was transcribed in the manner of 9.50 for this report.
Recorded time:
3.11
